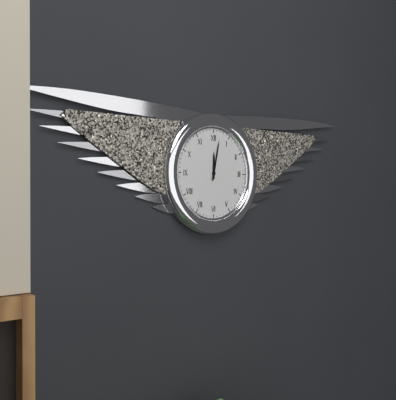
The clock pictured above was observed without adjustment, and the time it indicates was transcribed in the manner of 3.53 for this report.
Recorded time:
12.02
